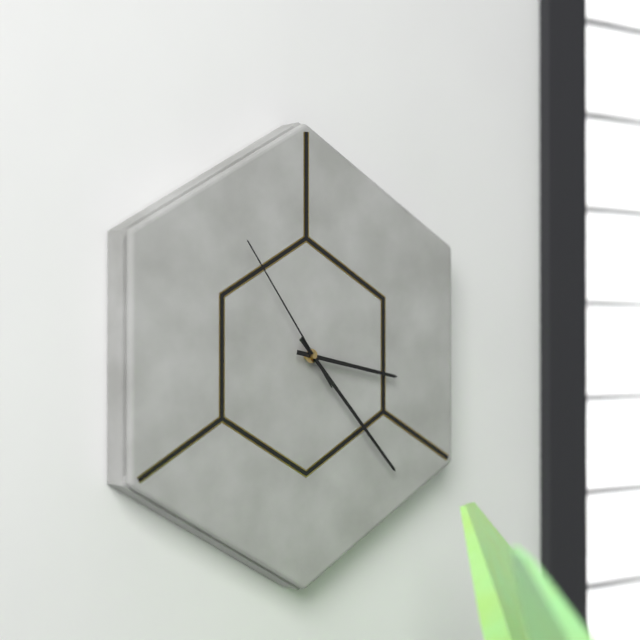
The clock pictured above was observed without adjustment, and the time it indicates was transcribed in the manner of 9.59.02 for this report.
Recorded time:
3.23.54
